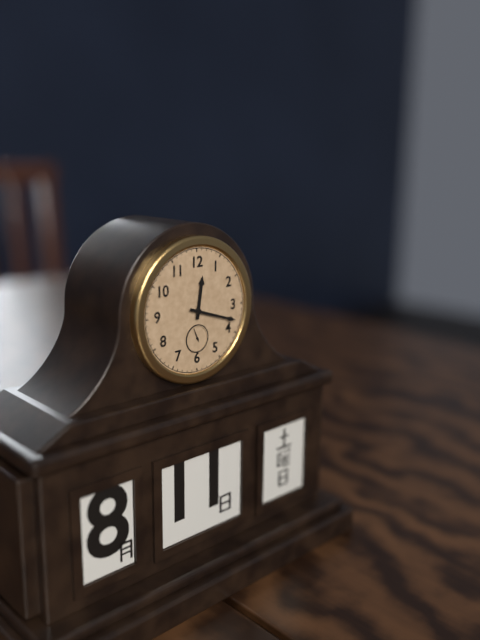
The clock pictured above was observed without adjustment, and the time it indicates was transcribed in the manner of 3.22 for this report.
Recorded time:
12.18
